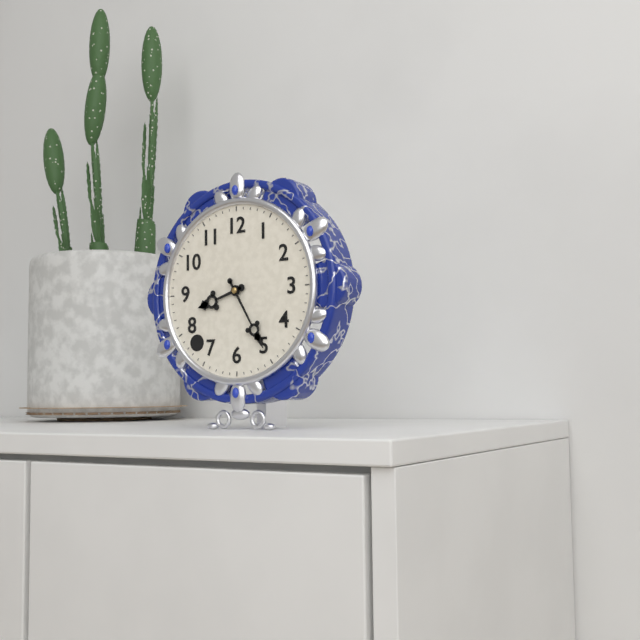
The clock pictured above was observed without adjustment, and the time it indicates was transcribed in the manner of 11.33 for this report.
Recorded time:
8.25
